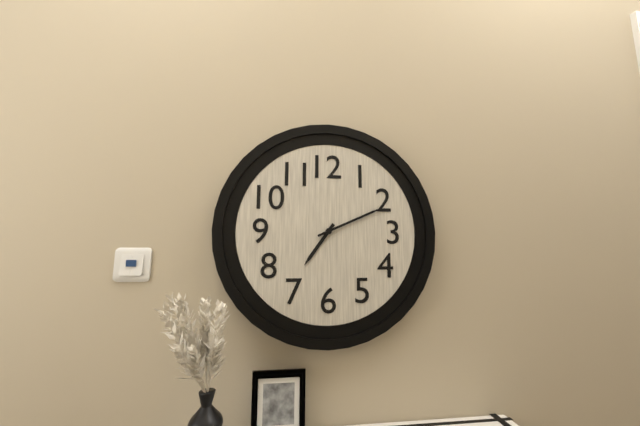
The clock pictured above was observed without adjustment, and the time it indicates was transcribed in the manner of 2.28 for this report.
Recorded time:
7.11
